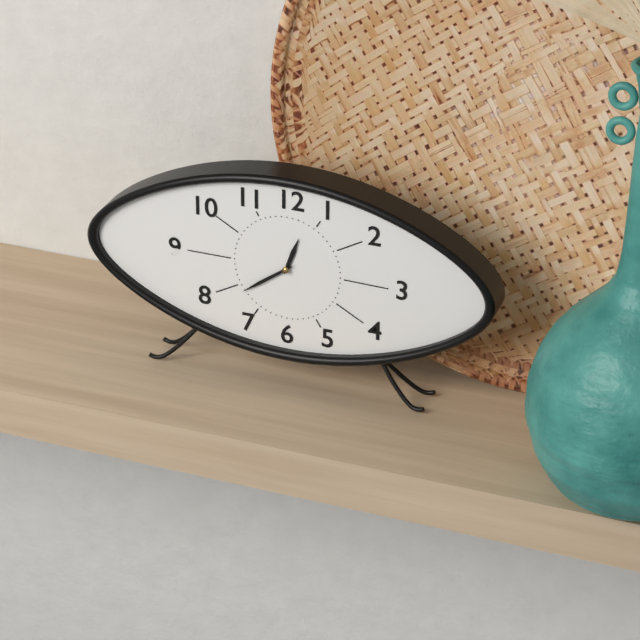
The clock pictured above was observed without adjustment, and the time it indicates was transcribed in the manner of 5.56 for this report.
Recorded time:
12.39
